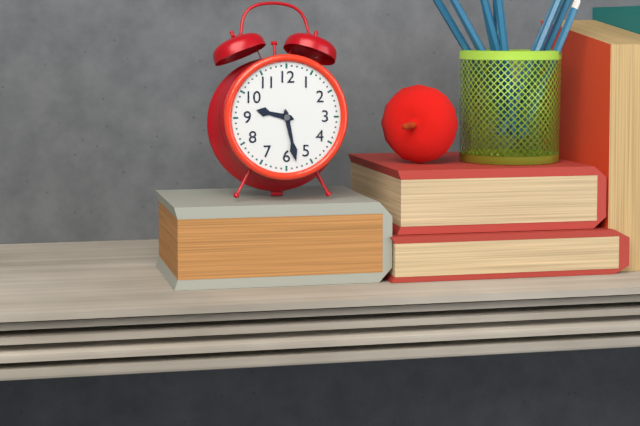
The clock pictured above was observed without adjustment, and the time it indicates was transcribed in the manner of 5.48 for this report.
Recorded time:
9.28
